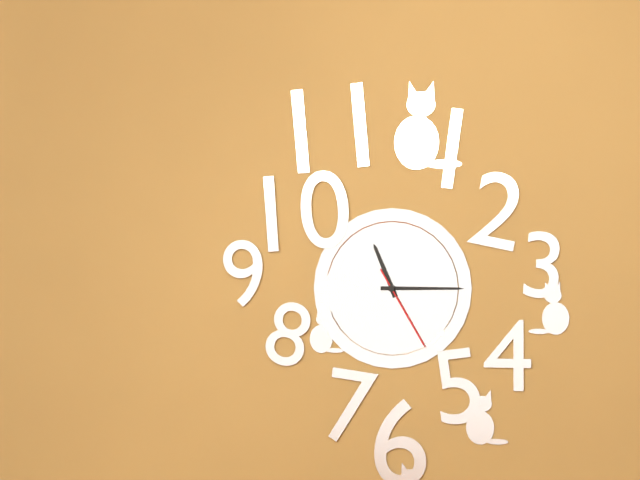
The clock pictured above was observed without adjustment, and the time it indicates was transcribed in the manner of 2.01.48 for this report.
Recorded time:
11.15.25
